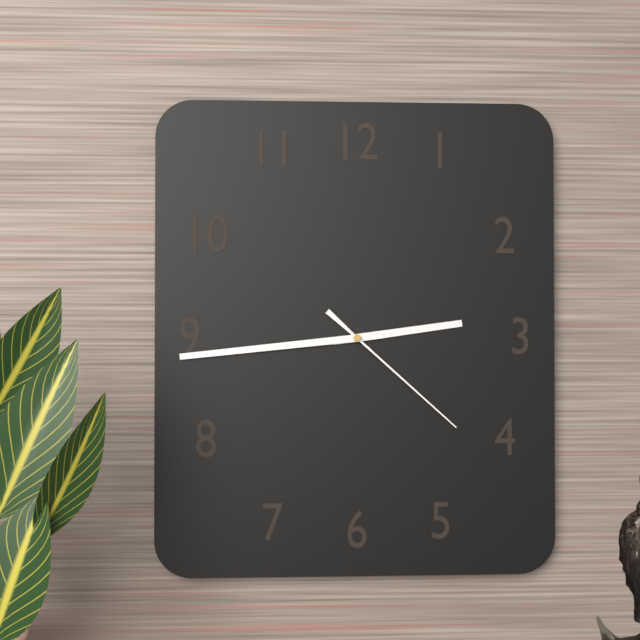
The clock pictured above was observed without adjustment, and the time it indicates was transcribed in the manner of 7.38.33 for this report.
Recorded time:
2.44.22
